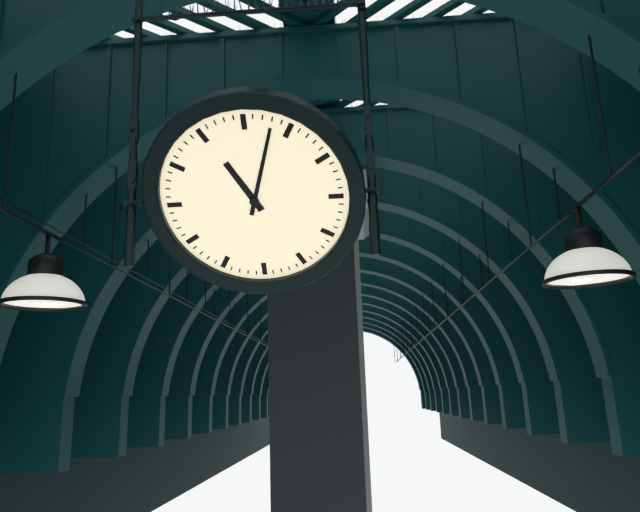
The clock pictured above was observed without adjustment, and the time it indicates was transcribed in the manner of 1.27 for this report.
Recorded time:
11.03
